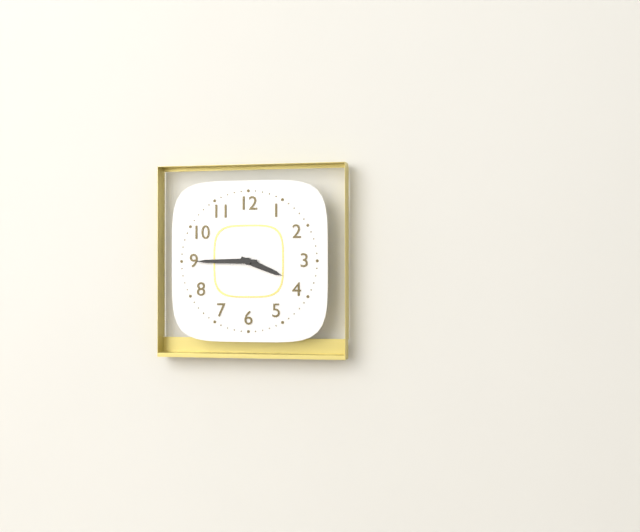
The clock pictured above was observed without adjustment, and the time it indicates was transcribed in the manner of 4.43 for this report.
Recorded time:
3.45
